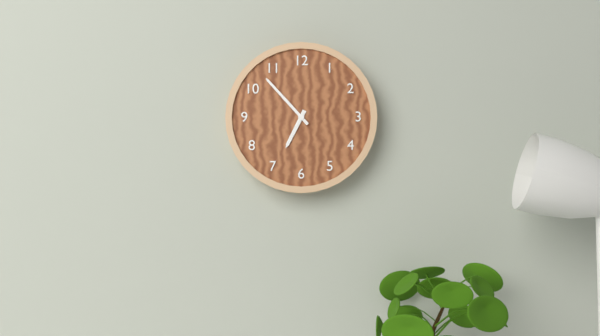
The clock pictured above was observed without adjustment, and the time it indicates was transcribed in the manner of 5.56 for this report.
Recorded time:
6.53
